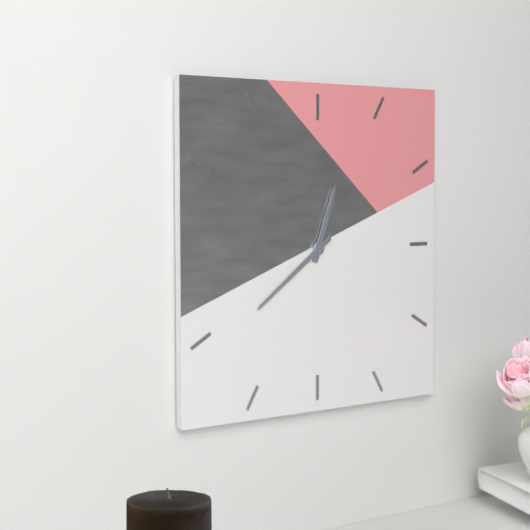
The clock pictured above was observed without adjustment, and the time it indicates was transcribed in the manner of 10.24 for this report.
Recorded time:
12.39
